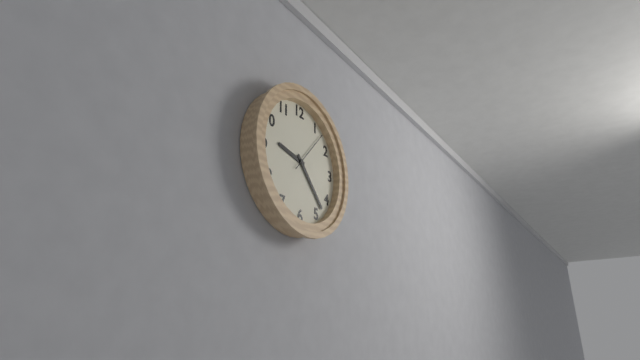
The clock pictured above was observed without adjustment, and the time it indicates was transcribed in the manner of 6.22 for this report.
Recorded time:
9.23
